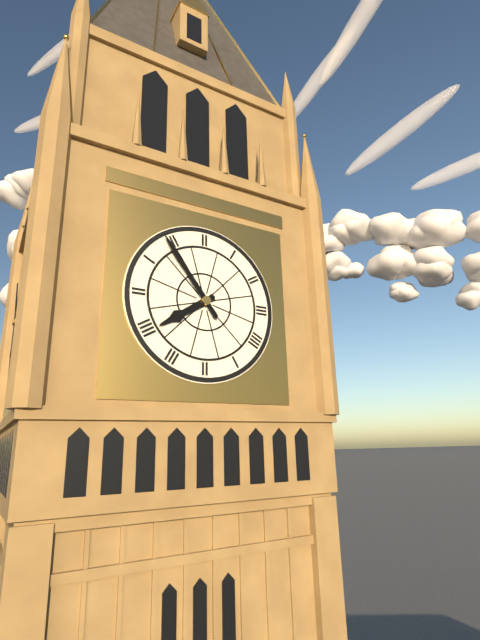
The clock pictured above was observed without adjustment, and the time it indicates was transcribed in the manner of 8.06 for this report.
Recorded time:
7.54
